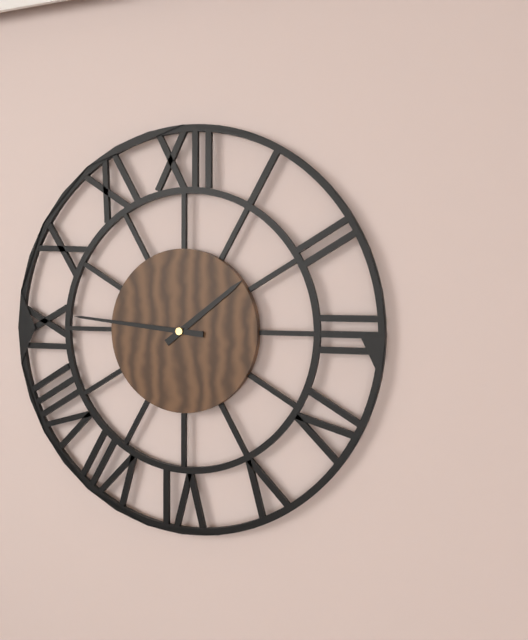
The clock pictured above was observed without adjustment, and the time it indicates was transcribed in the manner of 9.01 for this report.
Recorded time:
1.46
